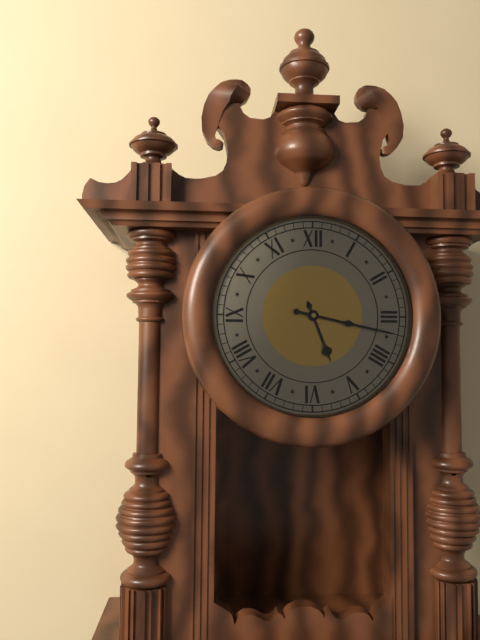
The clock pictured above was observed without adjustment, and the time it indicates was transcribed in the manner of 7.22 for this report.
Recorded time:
5.17
